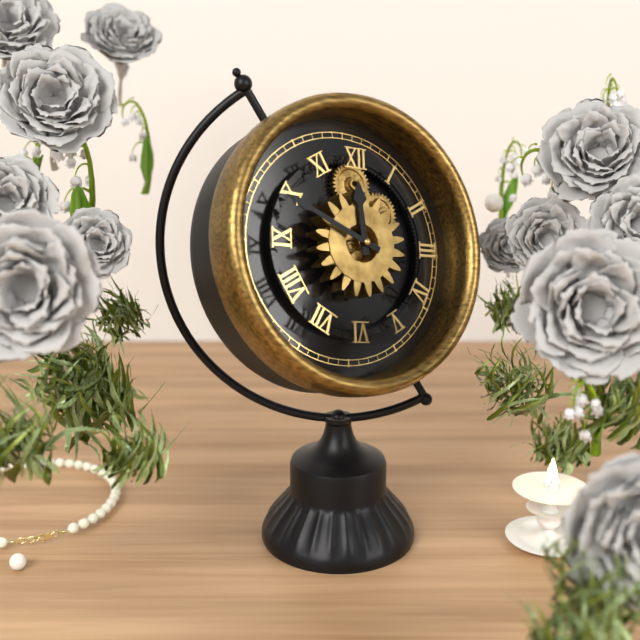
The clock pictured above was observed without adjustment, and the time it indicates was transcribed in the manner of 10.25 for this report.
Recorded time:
11.49
